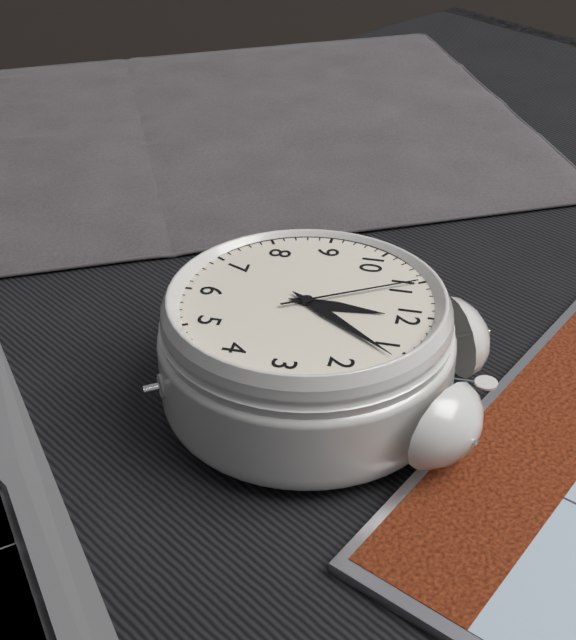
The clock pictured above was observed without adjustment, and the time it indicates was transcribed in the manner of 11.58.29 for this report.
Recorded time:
12.06.55
